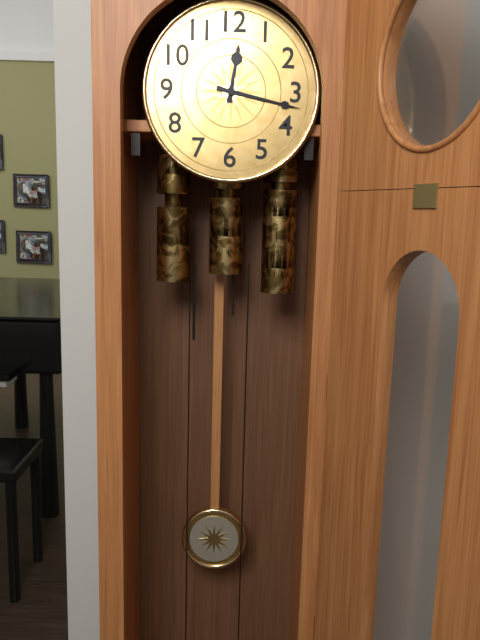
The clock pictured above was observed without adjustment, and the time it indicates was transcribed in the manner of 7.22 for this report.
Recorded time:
12.17
